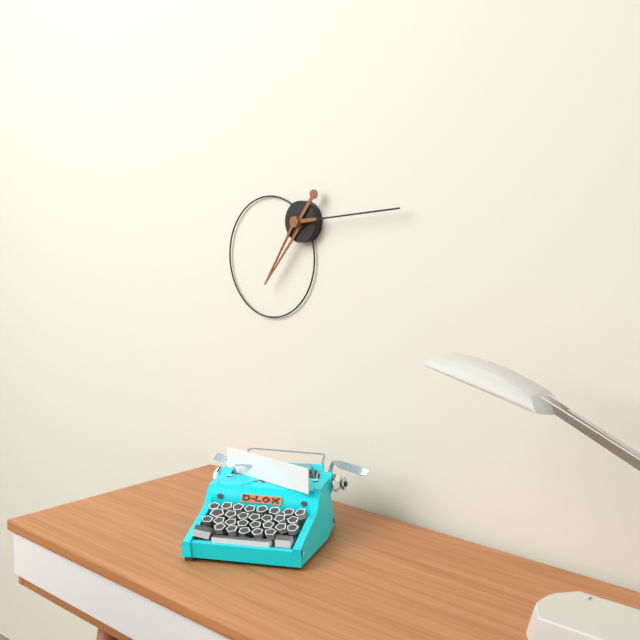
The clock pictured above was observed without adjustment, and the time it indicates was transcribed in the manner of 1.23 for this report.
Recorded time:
7.14
